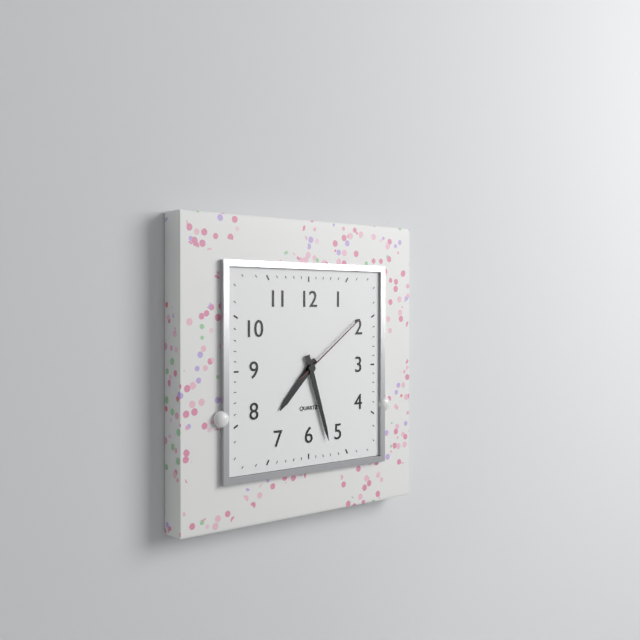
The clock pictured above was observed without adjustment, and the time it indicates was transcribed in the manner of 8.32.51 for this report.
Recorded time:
7.27.09
